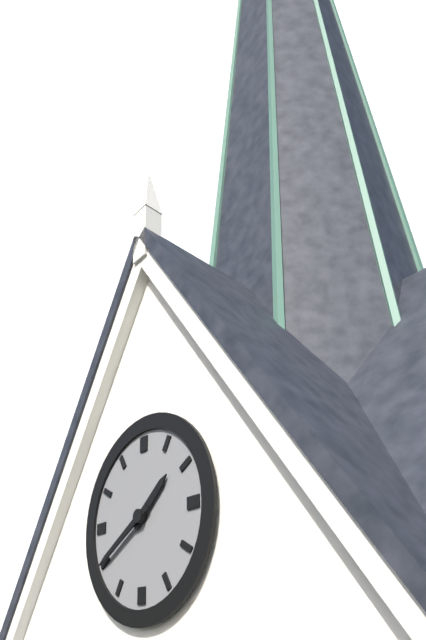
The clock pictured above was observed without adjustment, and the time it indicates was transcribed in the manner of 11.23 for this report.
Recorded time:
1.40
